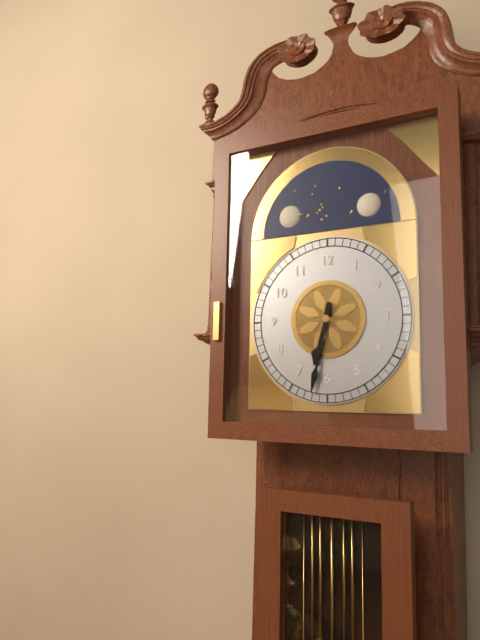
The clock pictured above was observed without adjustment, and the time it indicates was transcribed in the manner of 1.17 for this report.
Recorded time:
6.32
